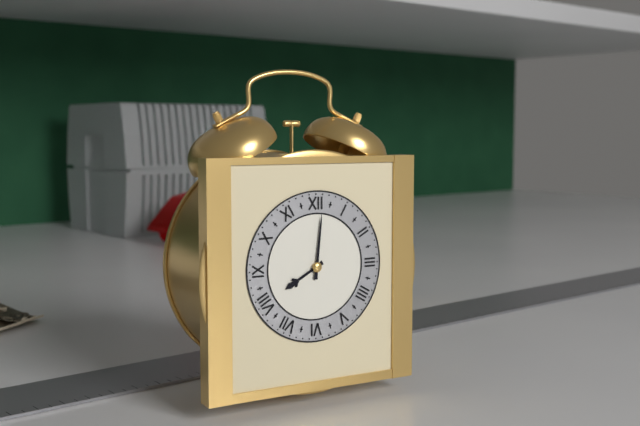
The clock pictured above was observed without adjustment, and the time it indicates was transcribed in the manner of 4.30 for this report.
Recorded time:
8.01
